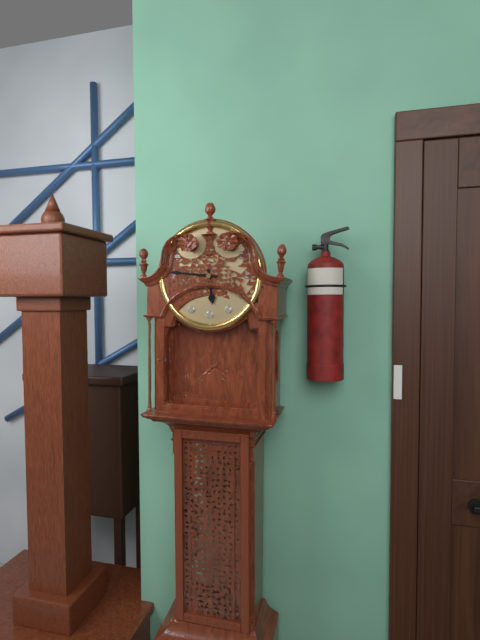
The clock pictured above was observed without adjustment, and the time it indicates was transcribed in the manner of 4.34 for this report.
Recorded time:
5.46
